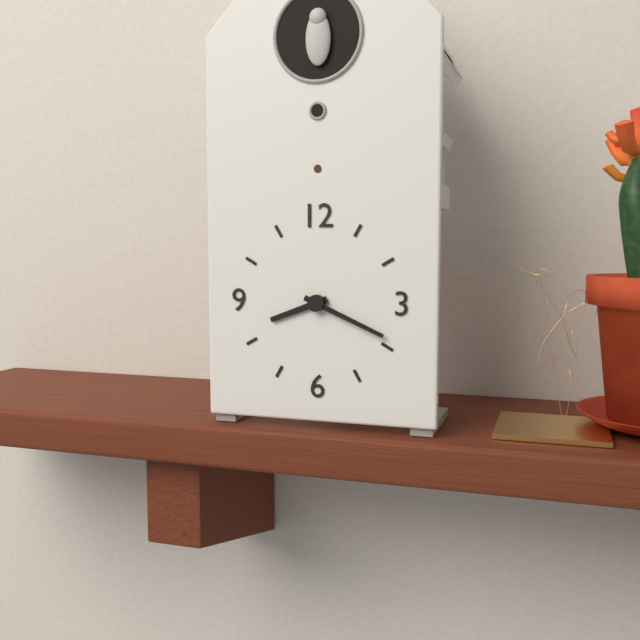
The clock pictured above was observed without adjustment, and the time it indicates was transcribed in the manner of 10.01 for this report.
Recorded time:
8.19
